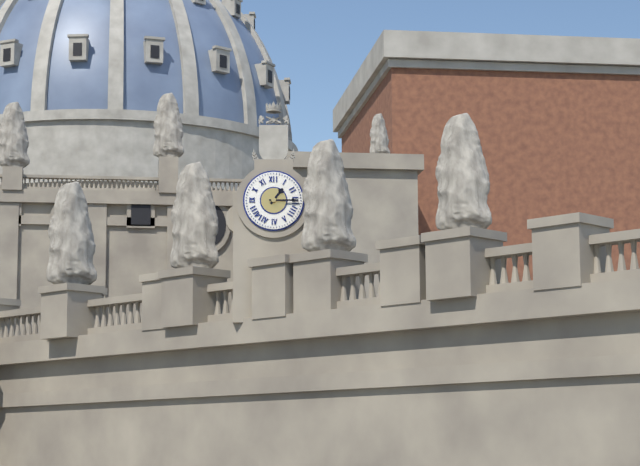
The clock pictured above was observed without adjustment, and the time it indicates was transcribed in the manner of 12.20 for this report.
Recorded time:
1.15
